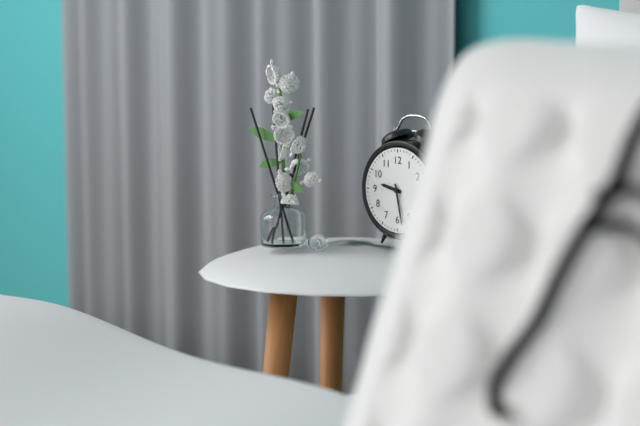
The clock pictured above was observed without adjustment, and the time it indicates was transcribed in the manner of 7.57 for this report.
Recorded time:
9.28
